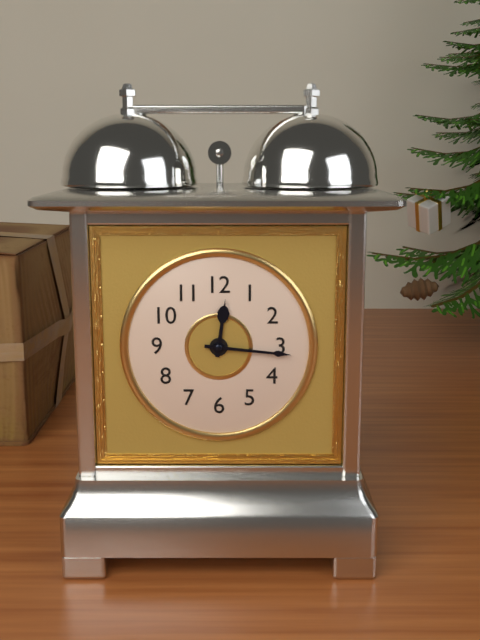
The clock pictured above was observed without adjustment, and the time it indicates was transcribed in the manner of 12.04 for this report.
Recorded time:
12.16
